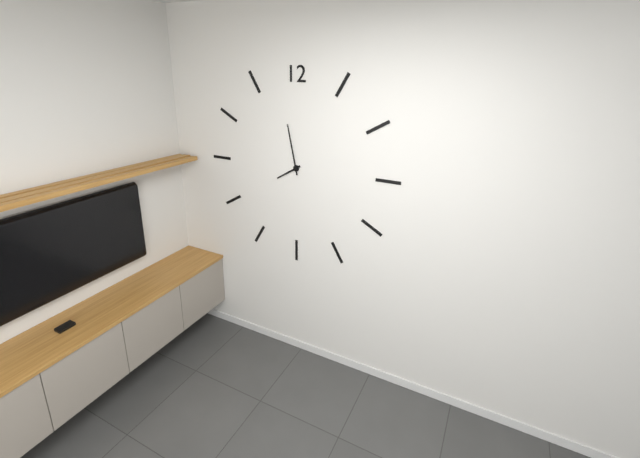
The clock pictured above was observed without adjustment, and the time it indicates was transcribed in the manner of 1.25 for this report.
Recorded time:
7.58
